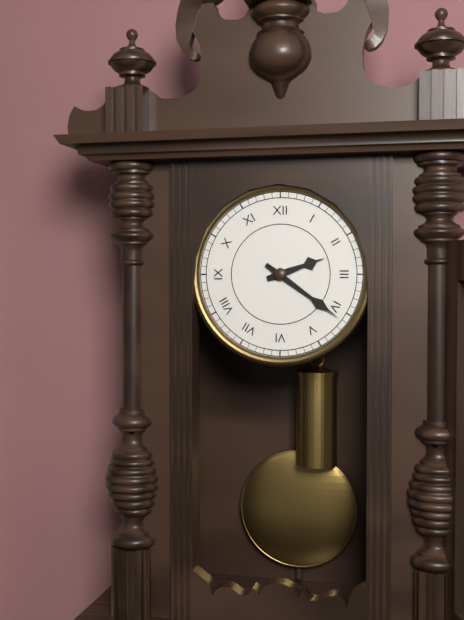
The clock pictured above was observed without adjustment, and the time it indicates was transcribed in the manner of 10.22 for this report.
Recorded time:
2.21
